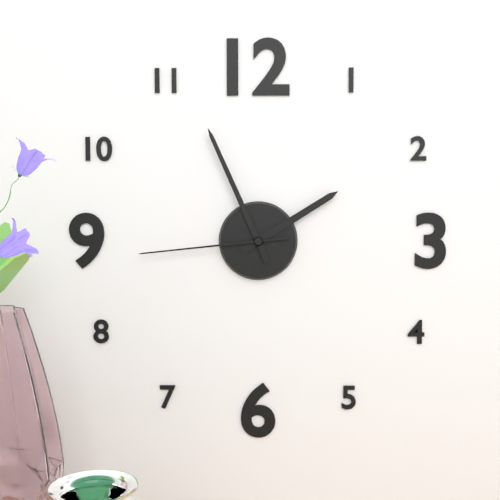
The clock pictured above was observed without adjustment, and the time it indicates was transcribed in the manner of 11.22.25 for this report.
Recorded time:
1.56.44
